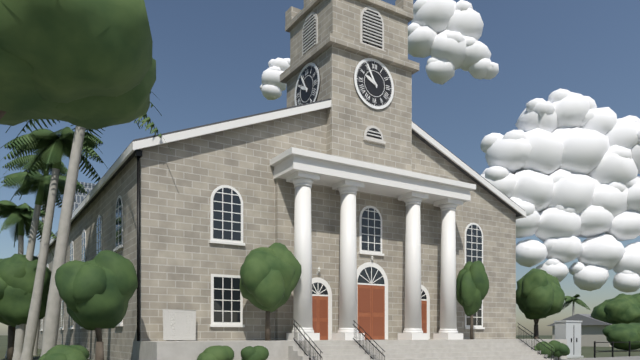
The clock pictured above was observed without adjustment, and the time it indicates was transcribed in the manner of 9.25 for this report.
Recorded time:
9.55
